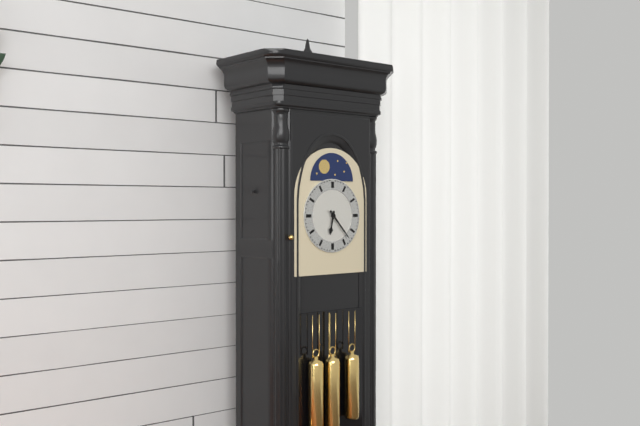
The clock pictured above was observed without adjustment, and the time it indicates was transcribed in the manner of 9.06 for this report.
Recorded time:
6.23
